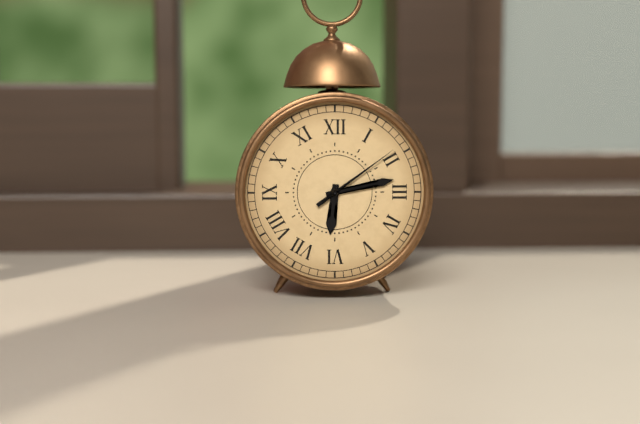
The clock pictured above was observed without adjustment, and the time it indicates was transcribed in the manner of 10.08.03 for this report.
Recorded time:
6.13.09
